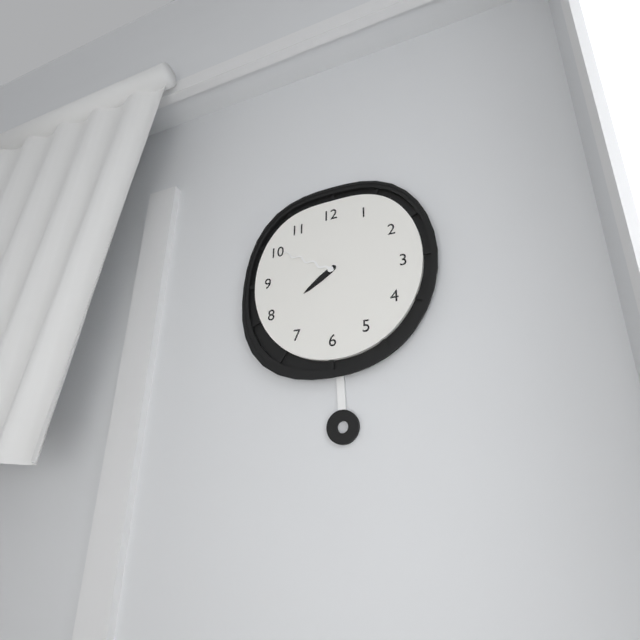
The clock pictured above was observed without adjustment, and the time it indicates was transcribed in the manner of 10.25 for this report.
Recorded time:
7.50
